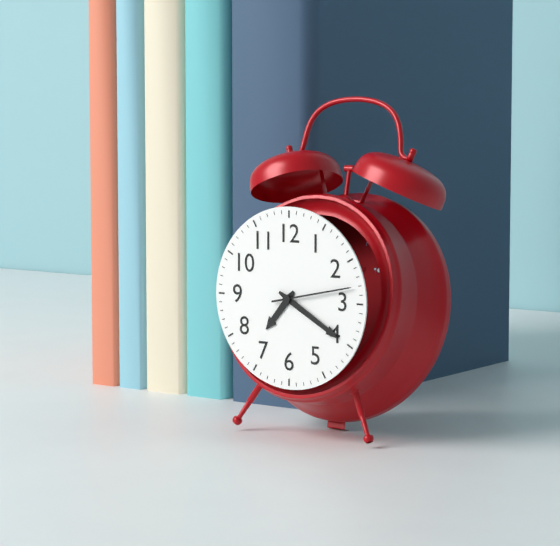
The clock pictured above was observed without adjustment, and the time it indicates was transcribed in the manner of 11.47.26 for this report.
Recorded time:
7.20.13
